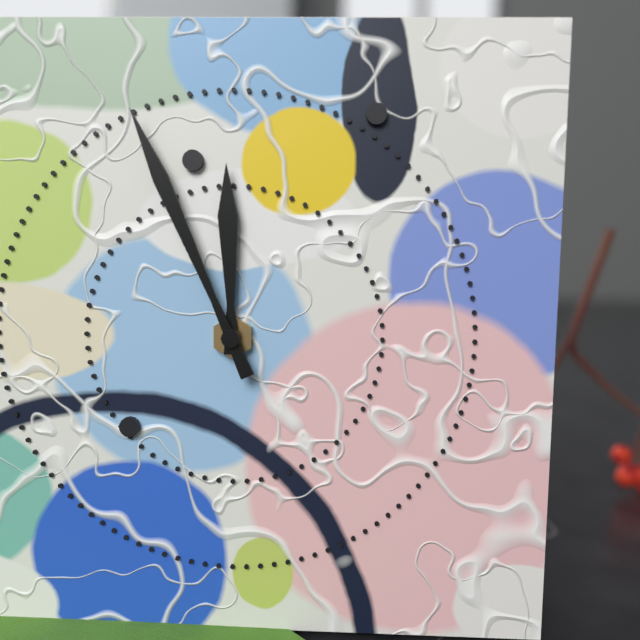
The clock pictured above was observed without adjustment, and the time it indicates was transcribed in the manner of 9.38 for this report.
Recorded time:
11.56
